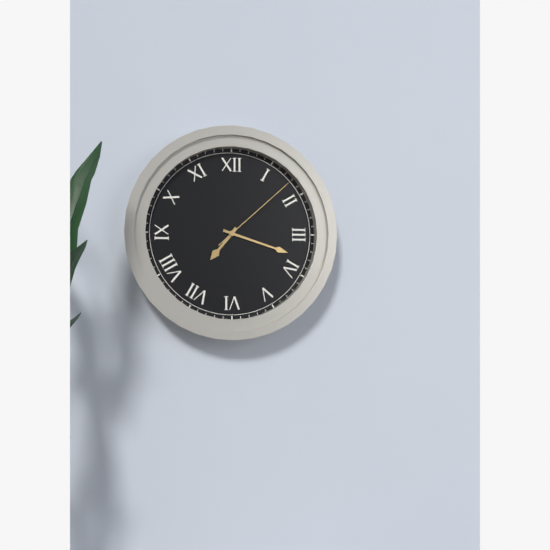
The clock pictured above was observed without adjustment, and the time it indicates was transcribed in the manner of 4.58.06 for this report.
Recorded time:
7.18.08
